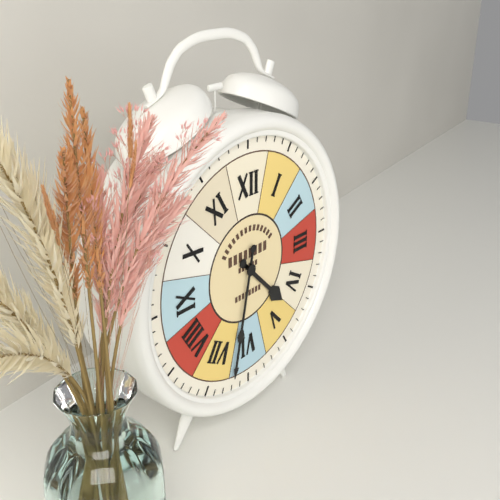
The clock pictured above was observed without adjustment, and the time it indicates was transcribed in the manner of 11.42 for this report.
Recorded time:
4.32
